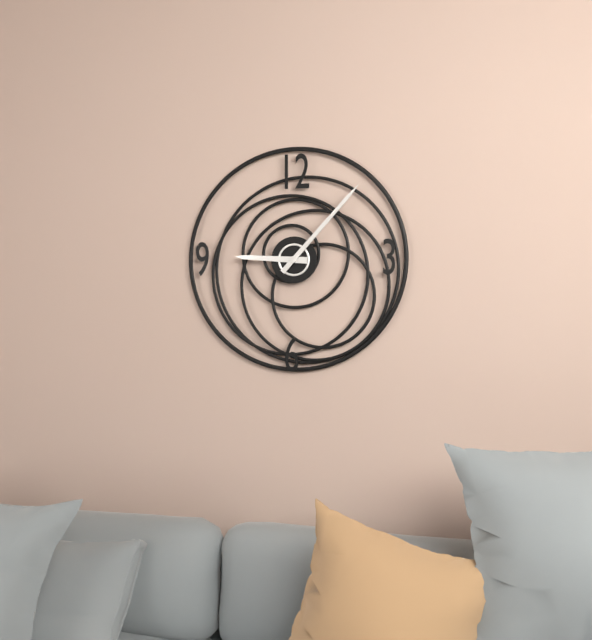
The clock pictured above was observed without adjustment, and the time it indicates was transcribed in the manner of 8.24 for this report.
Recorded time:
9.07
